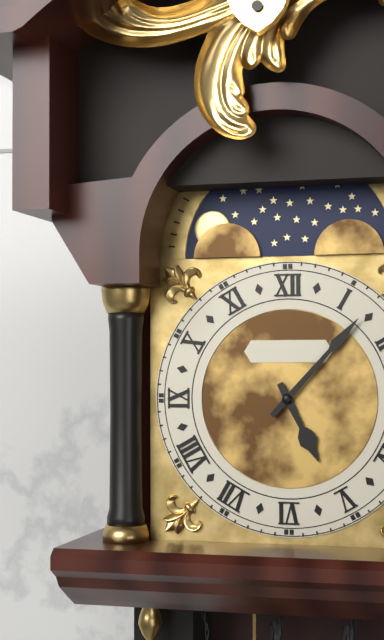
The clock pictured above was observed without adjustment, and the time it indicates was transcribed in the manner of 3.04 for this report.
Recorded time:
5.07
